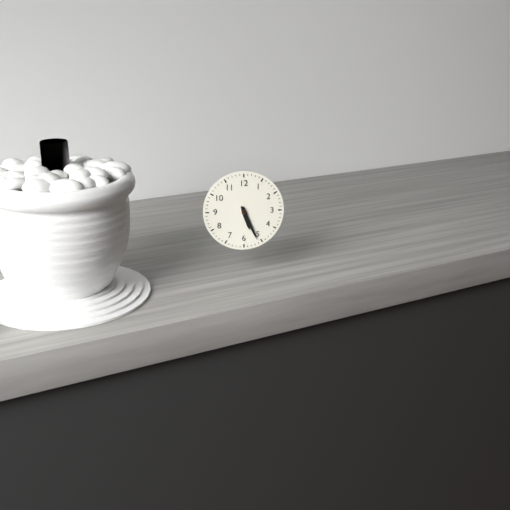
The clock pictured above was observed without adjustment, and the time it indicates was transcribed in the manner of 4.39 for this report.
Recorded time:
5.26
